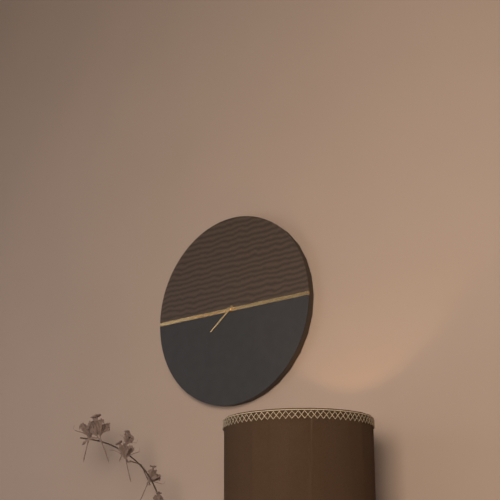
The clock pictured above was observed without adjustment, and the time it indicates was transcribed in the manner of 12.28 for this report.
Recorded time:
7.45
